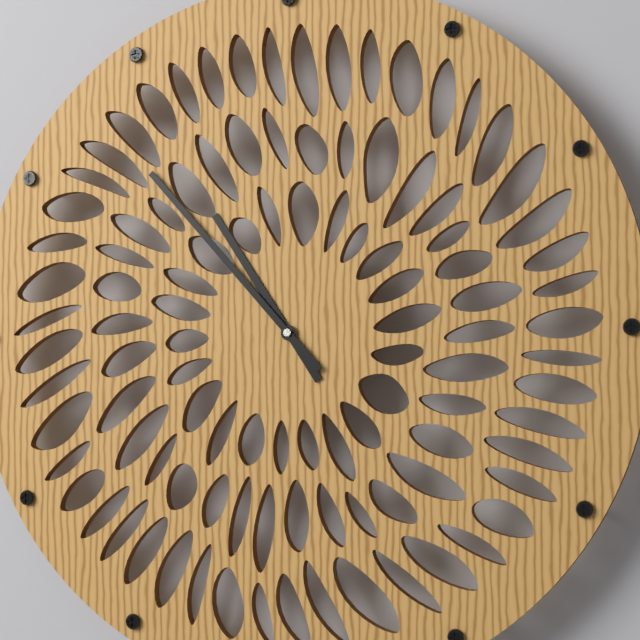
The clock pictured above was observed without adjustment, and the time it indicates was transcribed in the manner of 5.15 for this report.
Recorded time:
10.53
